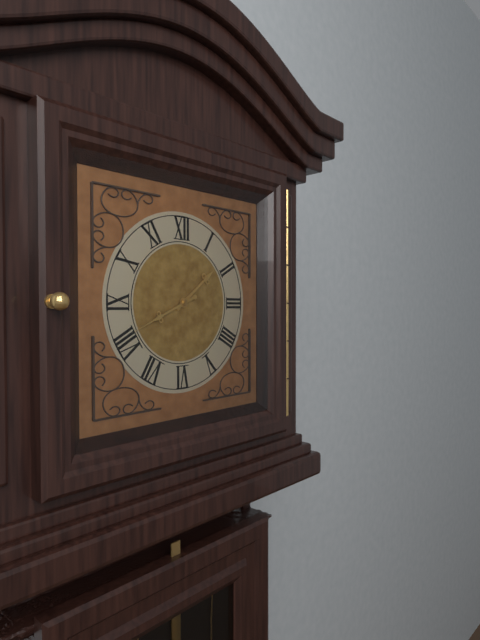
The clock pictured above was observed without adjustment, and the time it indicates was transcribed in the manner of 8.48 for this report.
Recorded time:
1.41
